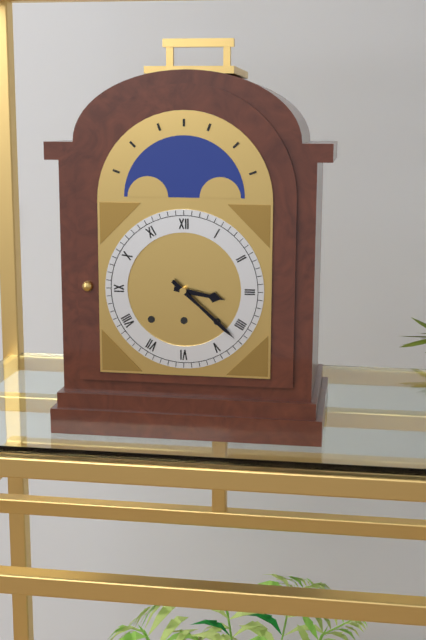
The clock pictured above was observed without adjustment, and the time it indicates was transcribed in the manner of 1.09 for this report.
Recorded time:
3.22
